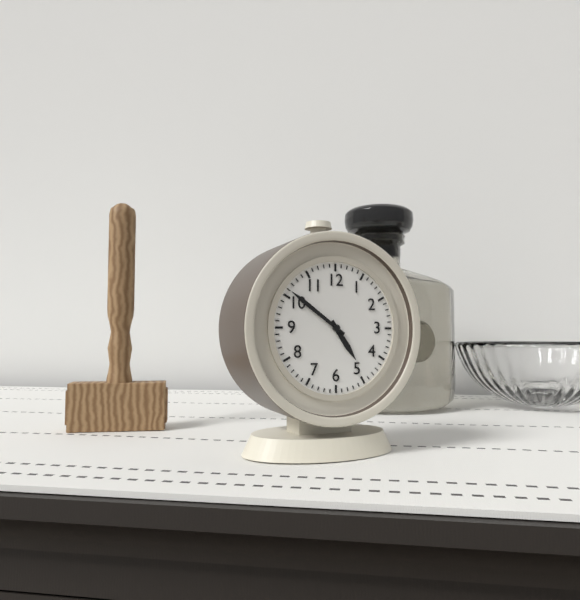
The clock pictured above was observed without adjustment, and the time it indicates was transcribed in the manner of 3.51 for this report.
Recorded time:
4.51
